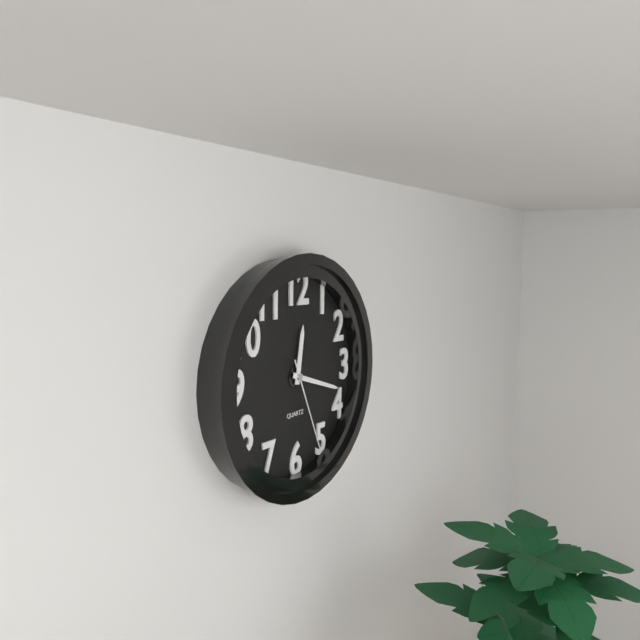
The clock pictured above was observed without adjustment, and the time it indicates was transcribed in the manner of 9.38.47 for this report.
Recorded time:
12.18.26
